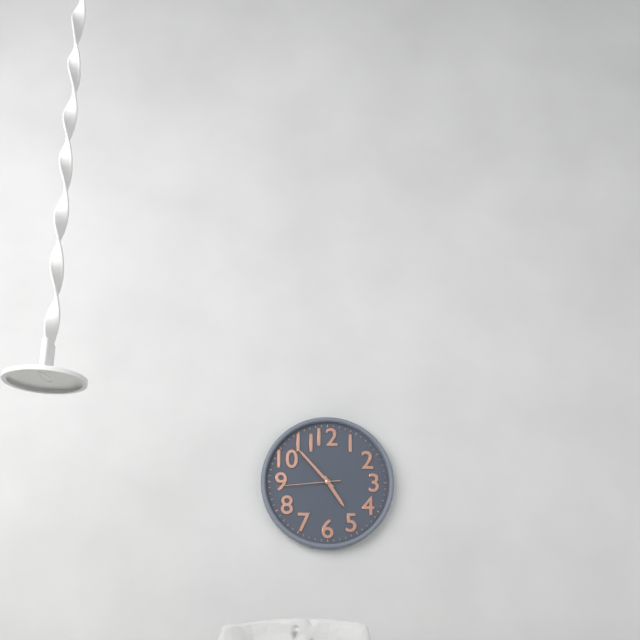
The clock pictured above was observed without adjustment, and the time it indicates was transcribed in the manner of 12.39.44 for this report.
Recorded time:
4.53.44
